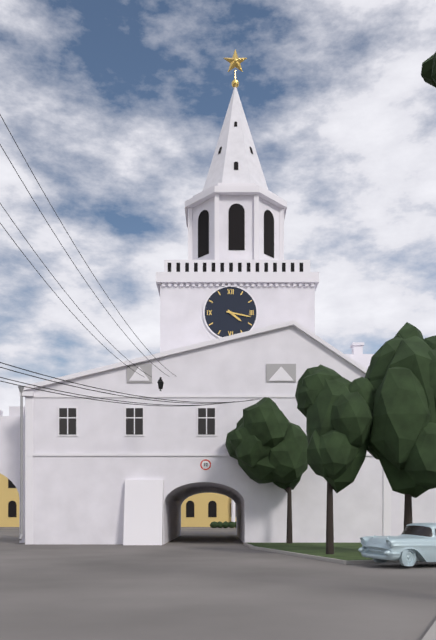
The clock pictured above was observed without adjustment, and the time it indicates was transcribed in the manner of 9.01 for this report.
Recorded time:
4.17
